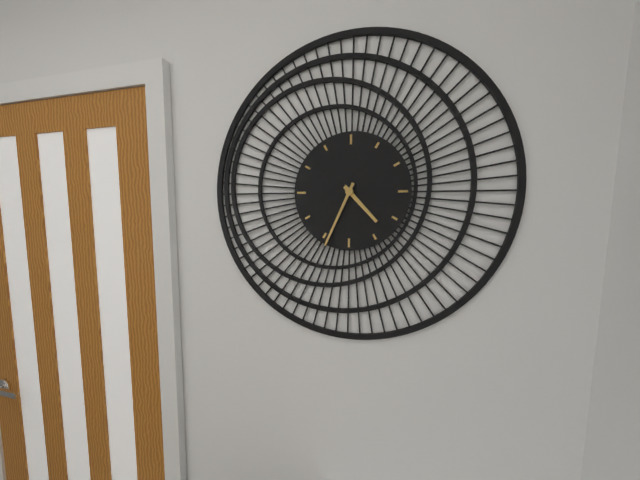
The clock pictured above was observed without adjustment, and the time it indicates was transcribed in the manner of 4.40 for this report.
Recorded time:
4.34
